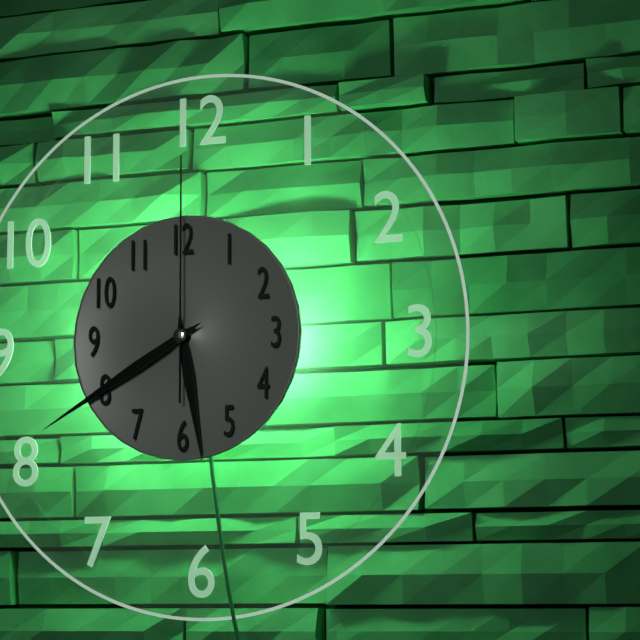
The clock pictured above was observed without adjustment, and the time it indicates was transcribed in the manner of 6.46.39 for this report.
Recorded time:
5.40.00
